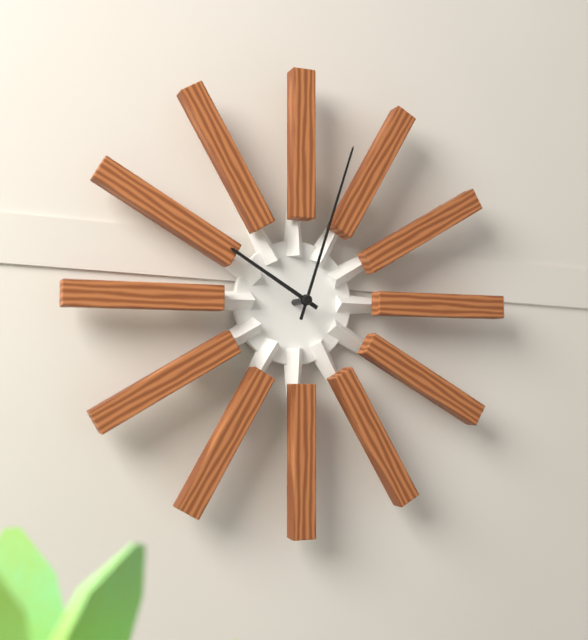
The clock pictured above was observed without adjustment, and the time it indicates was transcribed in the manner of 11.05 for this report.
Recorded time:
10.03
